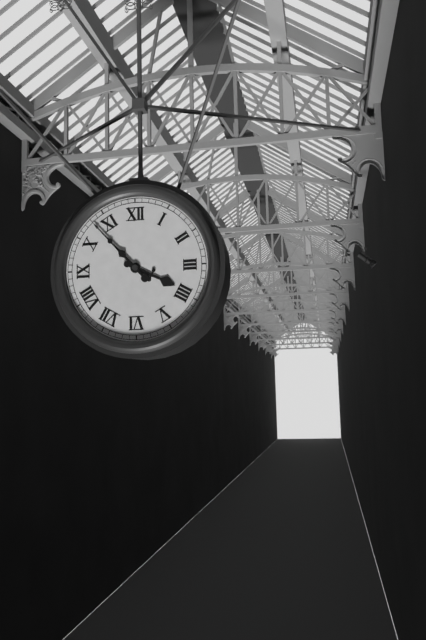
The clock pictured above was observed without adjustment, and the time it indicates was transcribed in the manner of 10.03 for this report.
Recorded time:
3.53
